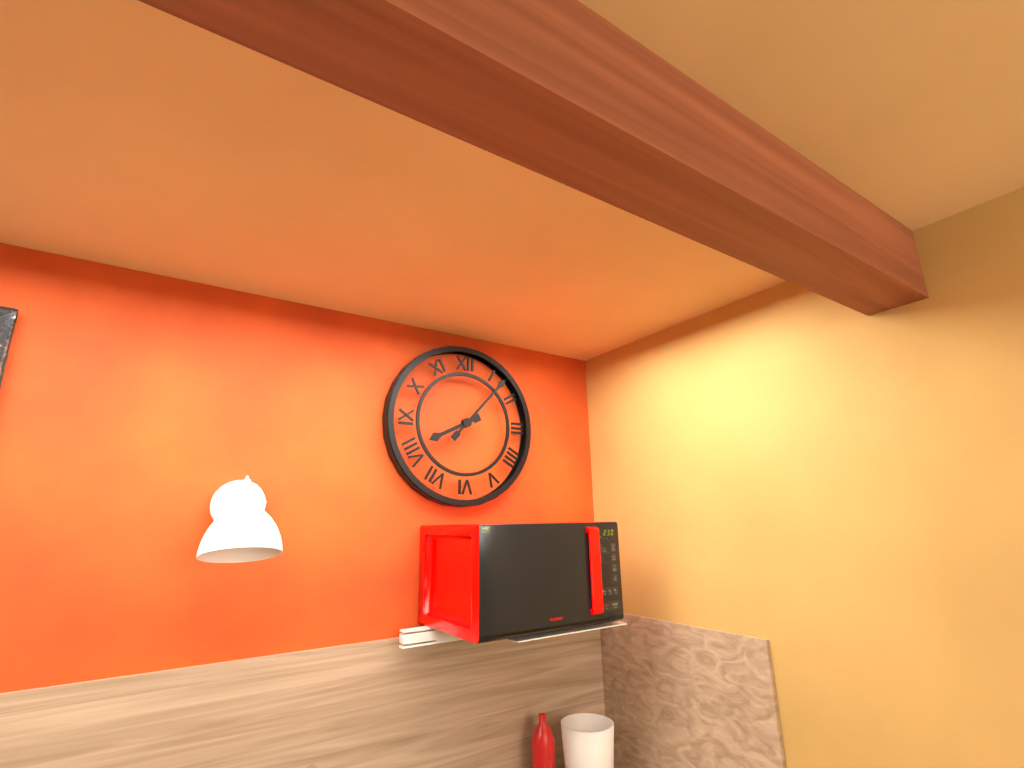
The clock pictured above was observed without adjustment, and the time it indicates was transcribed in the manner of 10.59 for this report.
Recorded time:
8.07
